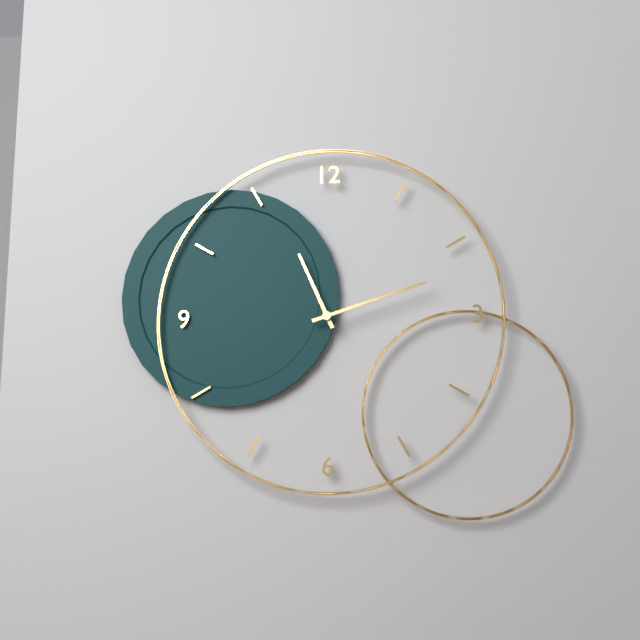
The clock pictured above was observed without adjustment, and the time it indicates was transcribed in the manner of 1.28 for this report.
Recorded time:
11.12
